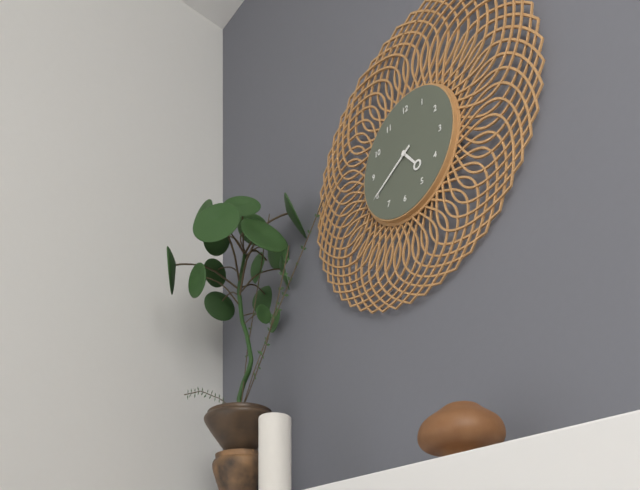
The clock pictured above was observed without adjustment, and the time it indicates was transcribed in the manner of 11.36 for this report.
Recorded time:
4.40
